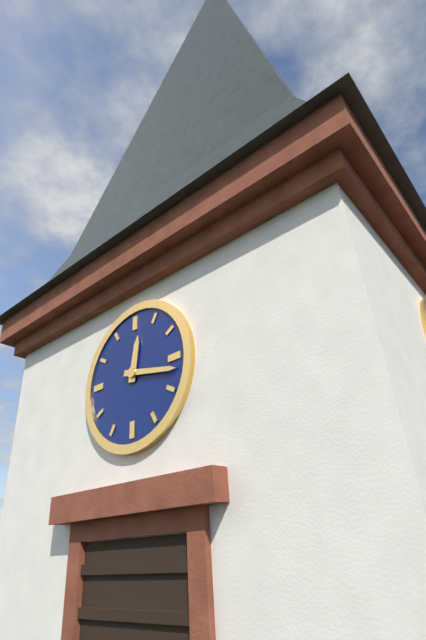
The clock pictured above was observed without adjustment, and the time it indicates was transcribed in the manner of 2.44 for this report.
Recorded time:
12.17
